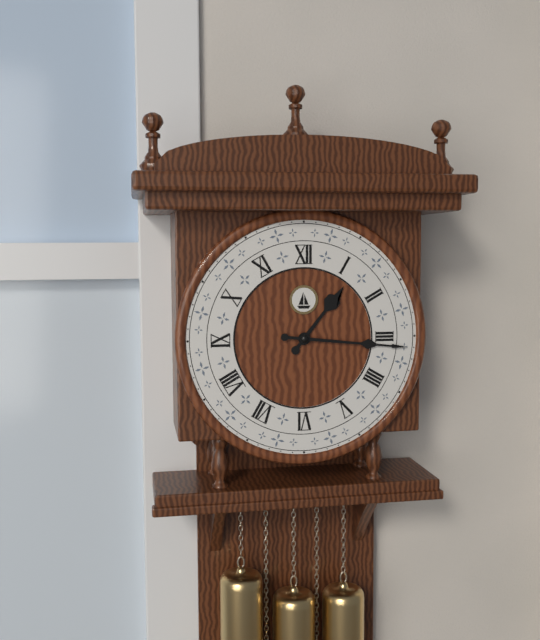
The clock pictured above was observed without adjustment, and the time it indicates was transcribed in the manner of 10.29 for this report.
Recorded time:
1.16
